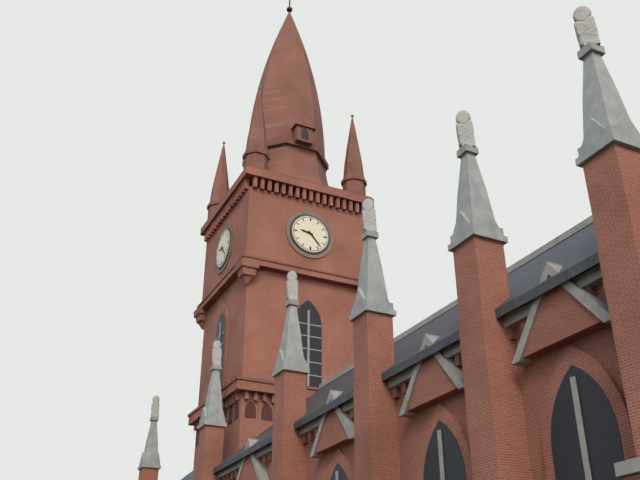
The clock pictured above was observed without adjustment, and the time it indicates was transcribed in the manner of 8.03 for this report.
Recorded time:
9.23
